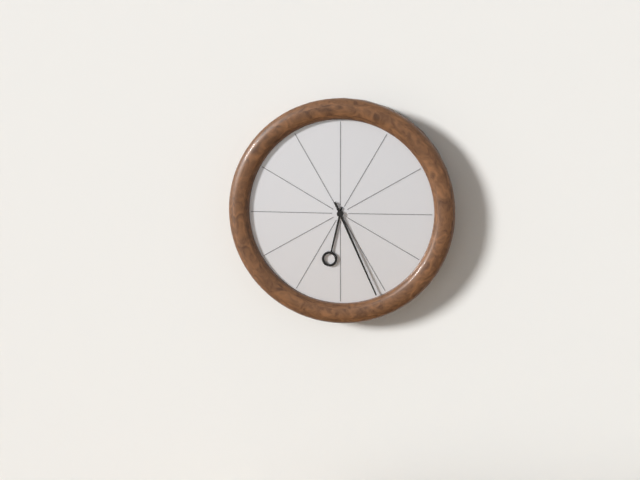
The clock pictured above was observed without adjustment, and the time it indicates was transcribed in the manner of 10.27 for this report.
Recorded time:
6.26
